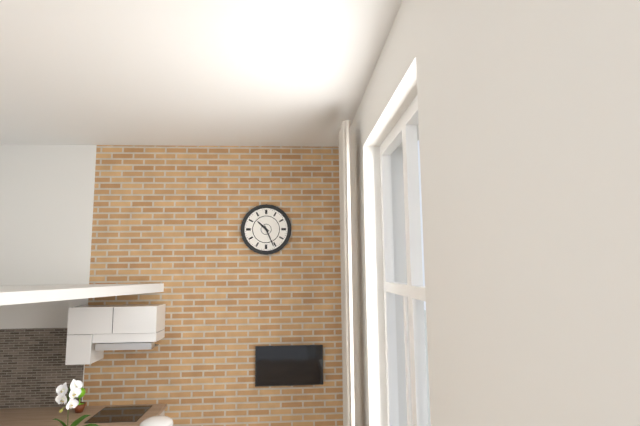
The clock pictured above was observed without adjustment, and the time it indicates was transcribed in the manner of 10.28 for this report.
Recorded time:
10.26
